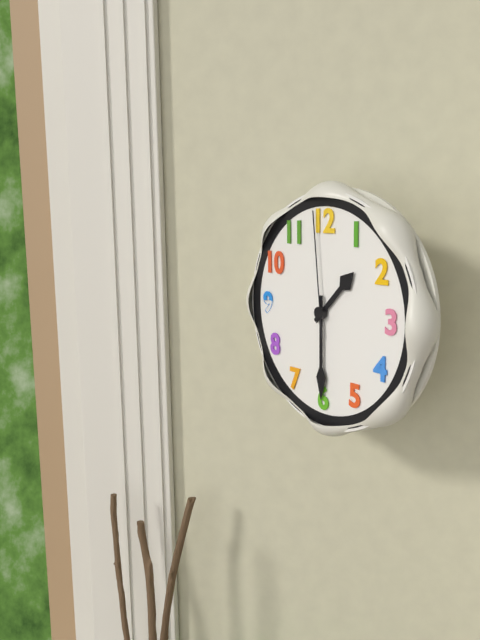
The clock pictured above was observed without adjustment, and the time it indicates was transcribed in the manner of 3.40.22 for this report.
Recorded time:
1.30.59
